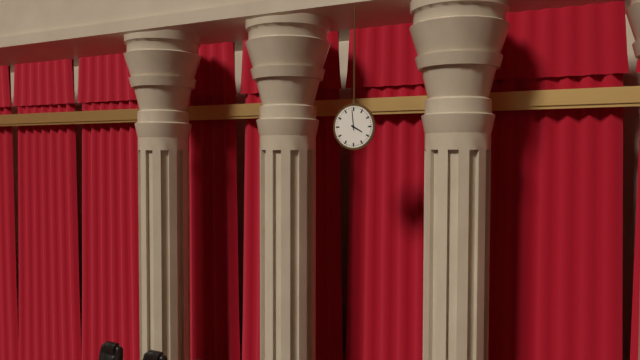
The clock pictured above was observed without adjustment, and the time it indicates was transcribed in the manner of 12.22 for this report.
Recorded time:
3.59
